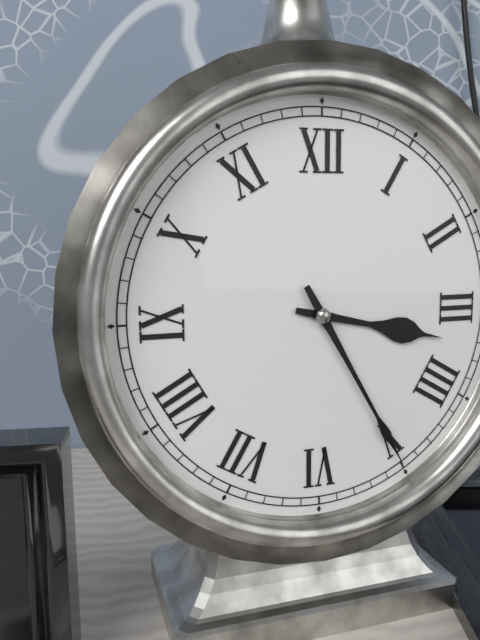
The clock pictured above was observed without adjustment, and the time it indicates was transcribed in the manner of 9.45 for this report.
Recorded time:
3.25
